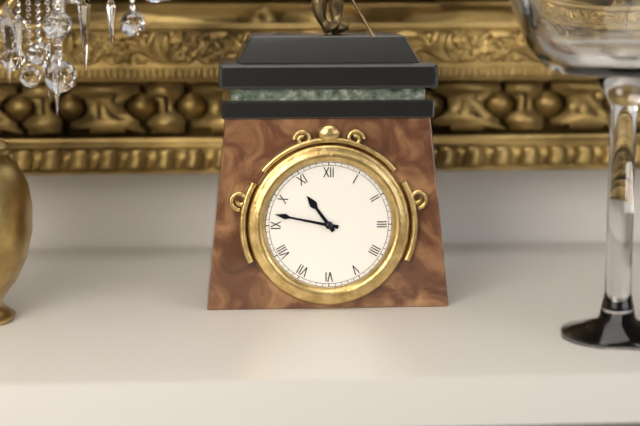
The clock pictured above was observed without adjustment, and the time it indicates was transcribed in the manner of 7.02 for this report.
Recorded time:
10.47
